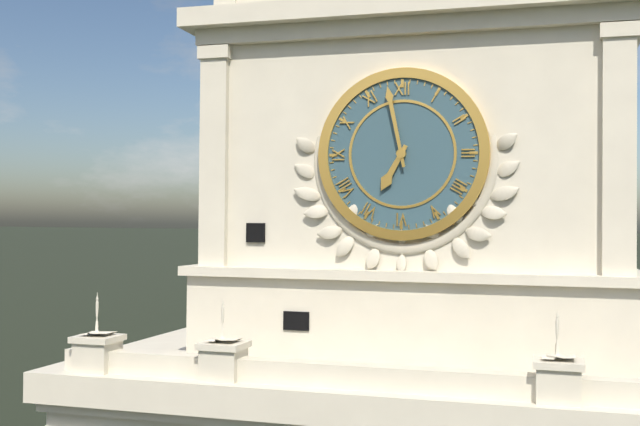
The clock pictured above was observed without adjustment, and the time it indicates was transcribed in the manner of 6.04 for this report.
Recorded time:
6.58
